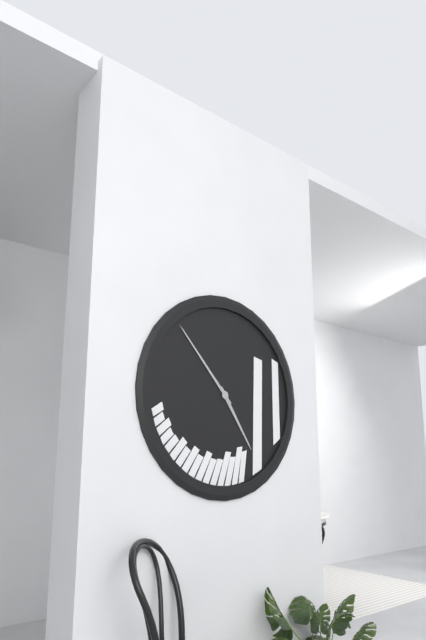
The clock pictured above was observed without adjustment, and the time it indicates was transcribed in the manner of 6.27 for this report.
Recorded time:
4.53
